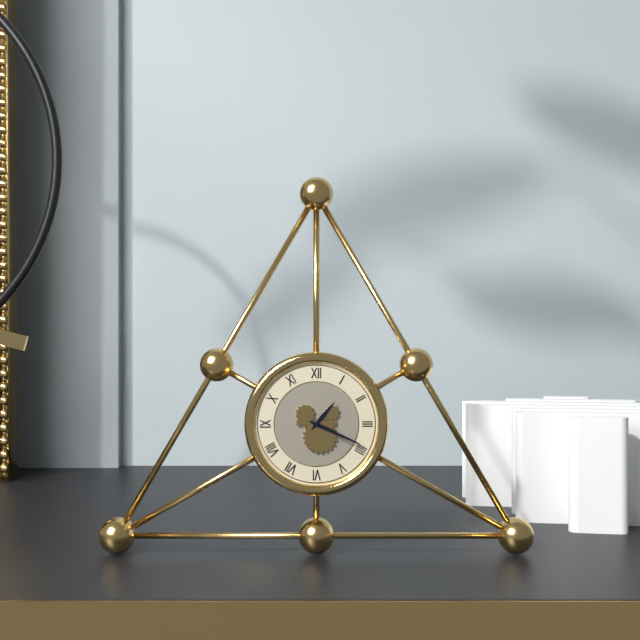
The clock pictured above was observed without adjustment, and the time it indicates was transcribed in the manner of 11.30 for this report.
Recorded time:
1.19
